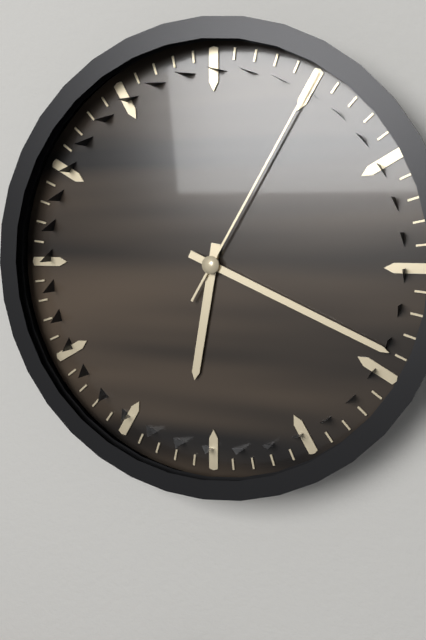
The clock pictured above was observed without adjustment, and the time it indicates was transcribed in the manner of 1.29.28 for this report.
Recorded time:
6.19.05
